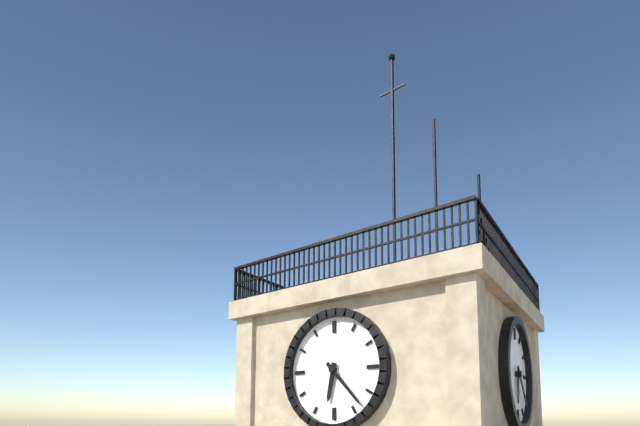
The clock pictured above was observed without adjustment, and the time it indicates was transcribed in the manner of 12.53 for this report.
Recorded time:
6.23
